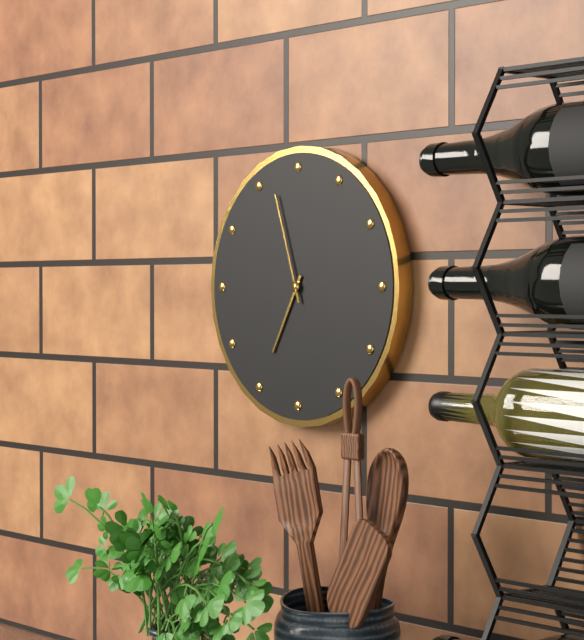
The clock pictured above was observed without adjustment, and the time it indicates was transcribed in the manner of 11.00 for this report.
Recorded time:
6.57
